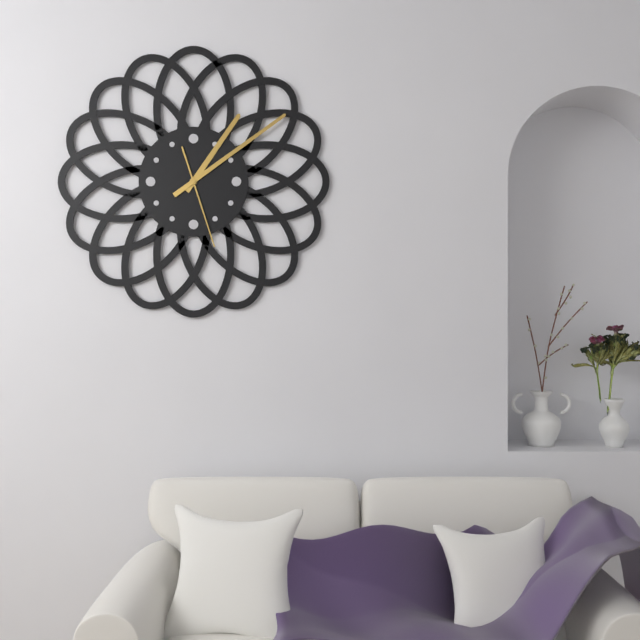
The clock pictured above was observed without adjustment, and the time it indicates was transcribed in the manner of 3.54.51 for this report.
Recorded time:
1.09.27
